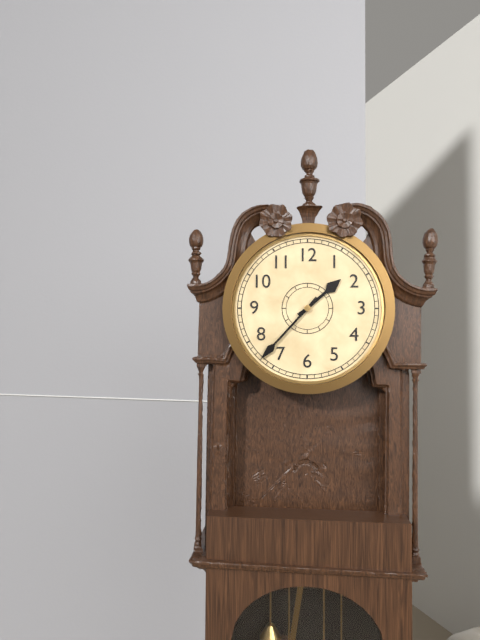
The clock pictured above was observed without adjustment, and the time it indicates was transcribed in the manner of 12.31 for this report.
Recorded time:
1.37
